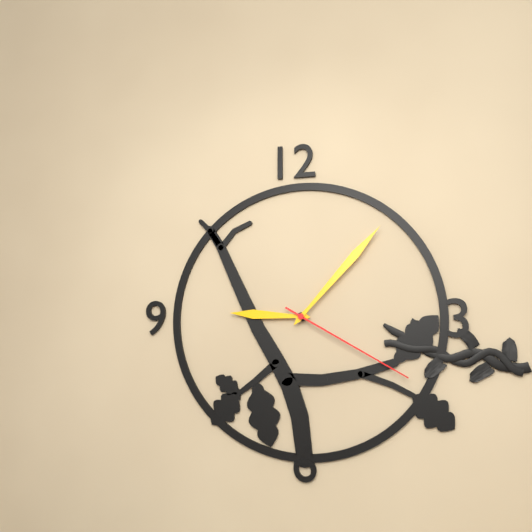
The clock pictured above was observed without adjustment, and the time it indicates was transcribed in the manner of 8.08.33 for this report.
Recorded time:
9.07.20
